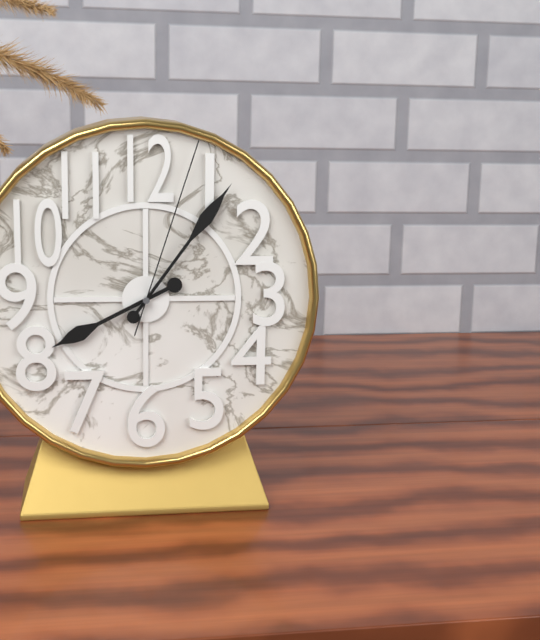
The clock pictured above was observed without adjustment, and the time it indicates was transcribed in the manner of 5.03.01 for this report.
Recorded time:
8.06.03
